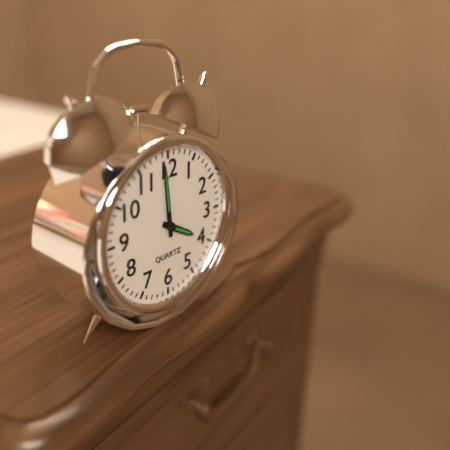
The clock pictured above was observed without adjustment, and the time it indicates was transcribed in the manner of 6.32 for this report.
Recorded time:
3.59
